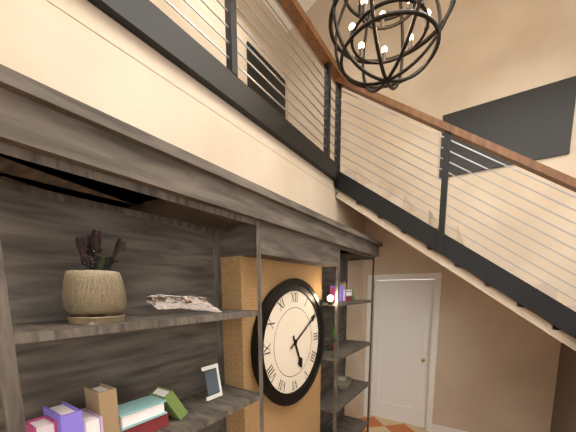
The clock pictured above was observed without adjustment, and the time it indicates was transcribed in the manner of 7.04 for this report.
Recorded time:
5.10
